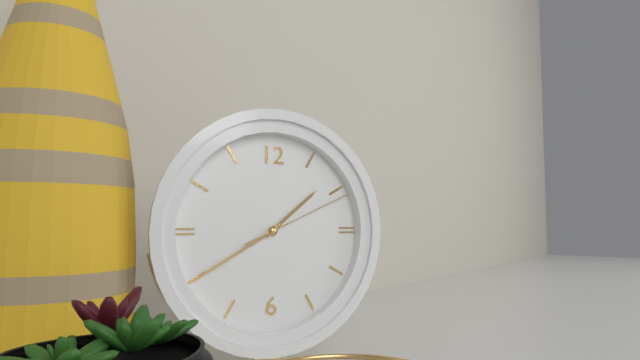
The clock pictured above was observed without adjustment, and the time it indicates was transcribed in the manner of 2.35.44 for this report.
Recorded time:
1.40.11
